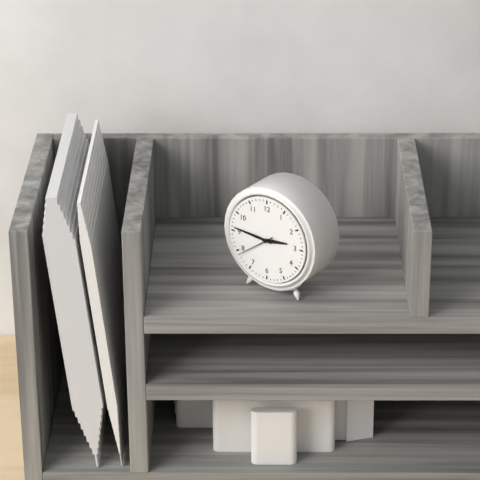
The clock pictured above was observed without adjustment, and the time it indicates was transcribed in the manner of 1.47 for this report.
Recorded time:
2.46
